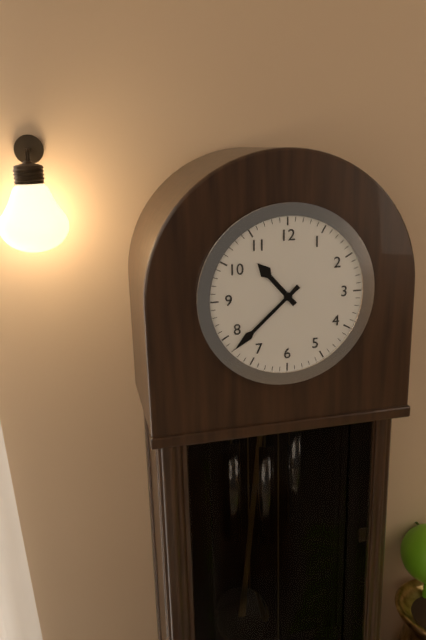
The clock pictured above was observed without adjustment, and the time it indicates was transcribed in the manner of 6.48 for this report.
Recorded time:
10.38
